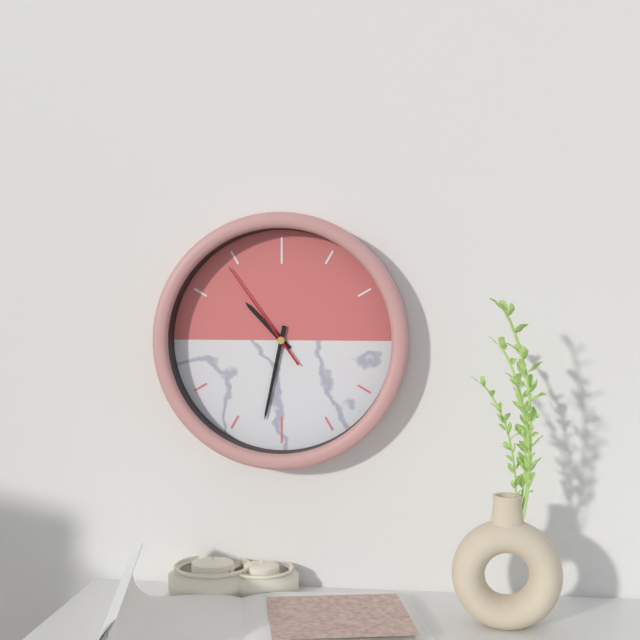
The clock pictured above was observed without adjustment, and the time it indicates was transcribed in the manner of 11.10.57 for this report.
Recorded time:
10.32.54
